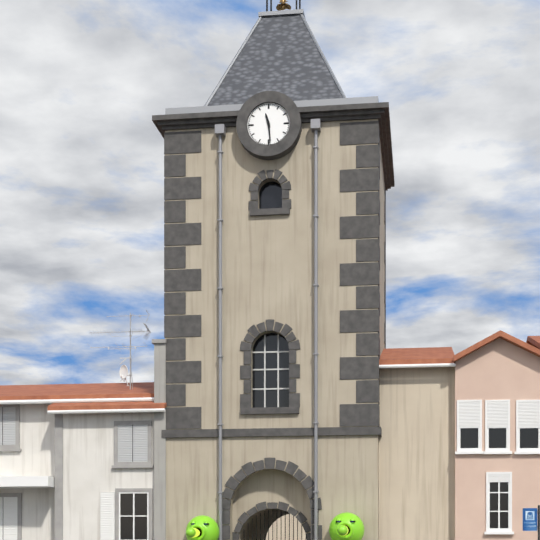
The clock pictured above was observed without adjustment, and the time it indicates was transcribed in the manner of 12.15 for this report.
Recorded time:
11.29
